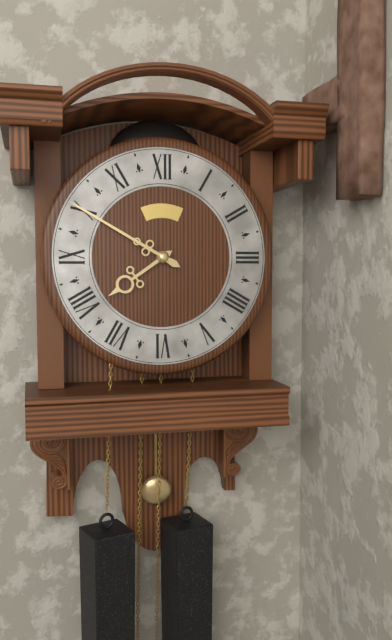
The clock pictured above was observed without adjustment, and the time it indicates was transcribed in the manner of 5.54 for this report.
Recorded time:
7.50
